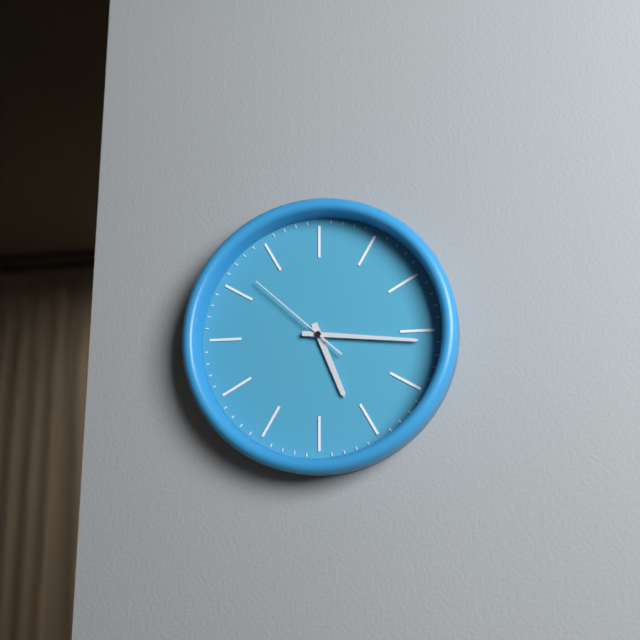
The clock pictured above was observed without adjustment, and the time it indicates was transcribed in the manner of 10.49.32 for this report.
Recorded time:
5.16.52
